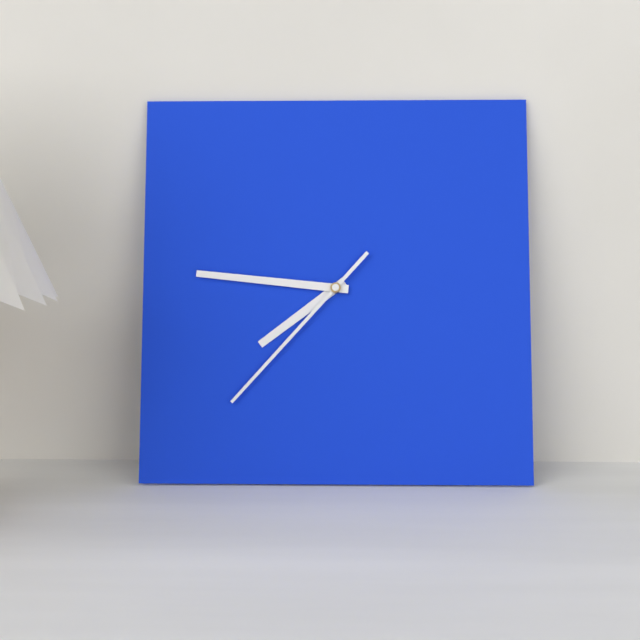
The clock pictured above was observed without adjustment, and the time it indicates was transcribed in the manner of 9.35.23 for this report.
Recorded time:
7.46.37
